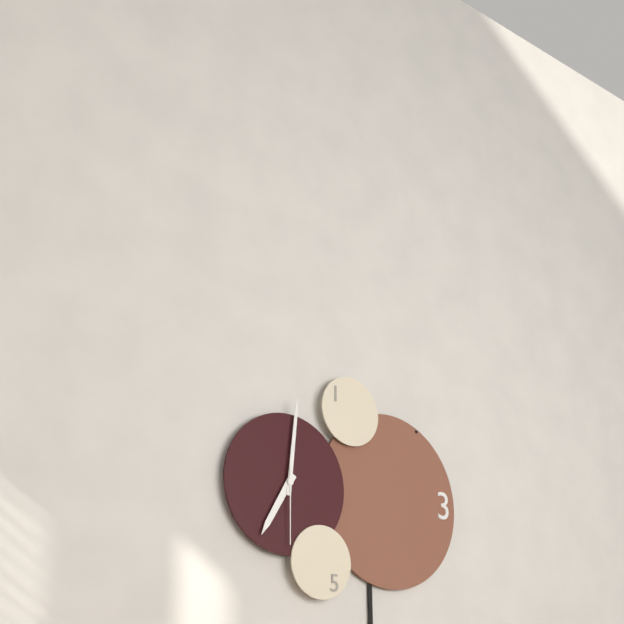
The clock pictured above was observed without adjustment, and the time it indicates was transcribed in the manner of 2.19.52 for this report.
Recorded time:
7.01.30
